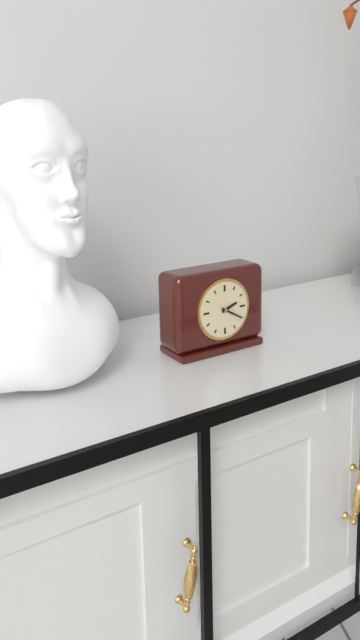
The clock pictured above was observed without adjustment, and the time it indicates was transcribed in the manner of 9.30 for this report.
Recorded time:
2.20
